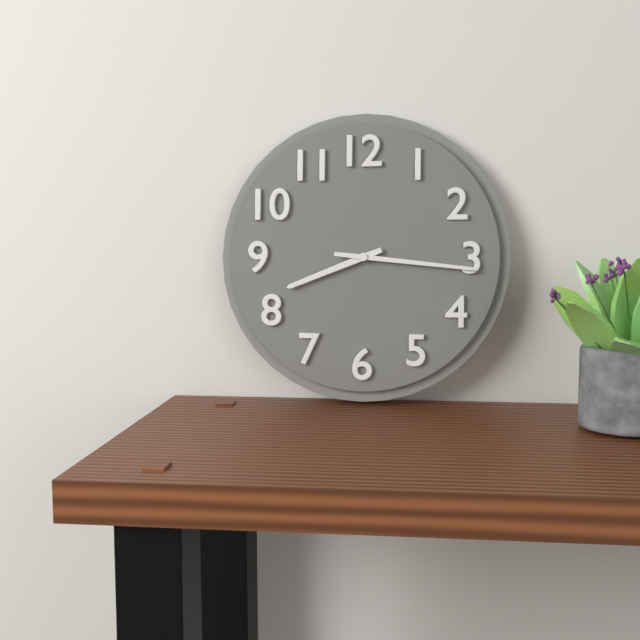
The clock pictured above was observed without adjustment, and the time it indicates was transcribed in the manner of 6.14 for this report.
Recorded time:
8.16
